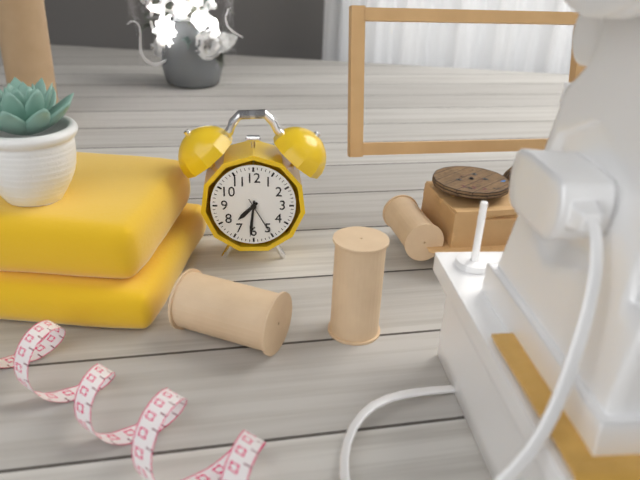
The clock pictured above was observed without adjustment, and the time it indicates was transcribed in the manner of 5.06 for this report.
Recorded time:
7.31
